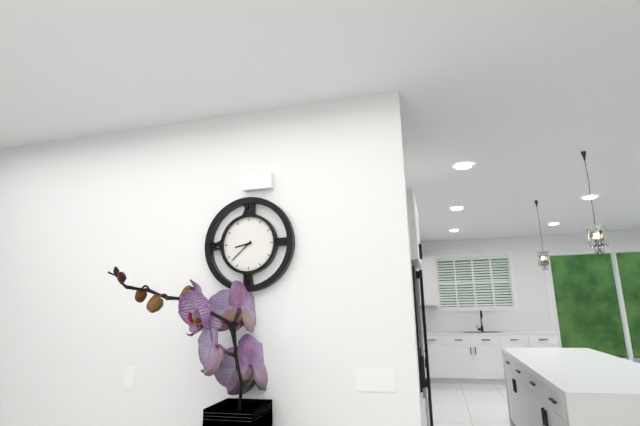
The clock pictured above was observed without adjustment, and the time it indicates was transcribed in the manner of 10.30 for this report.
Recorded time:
8.38
